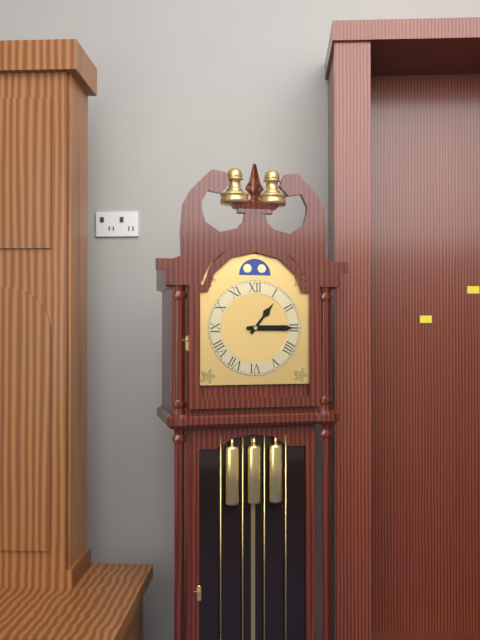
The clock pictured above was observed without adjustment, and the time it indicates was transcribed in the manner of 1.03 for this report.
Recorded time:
1.15
